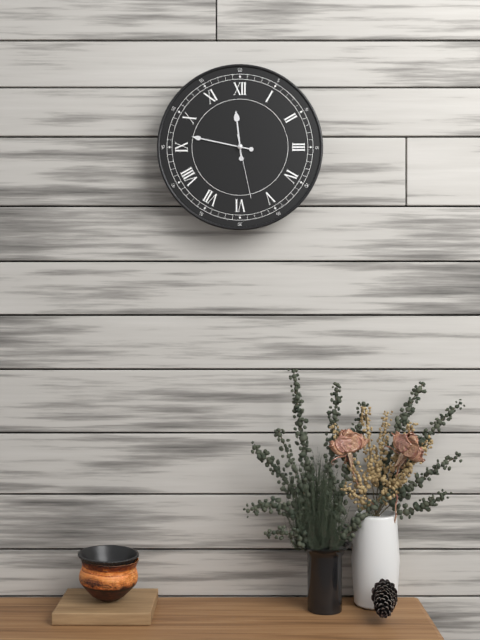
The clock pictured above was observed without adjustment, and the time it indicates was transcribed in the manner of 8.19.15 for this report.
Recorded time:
11.47.28
